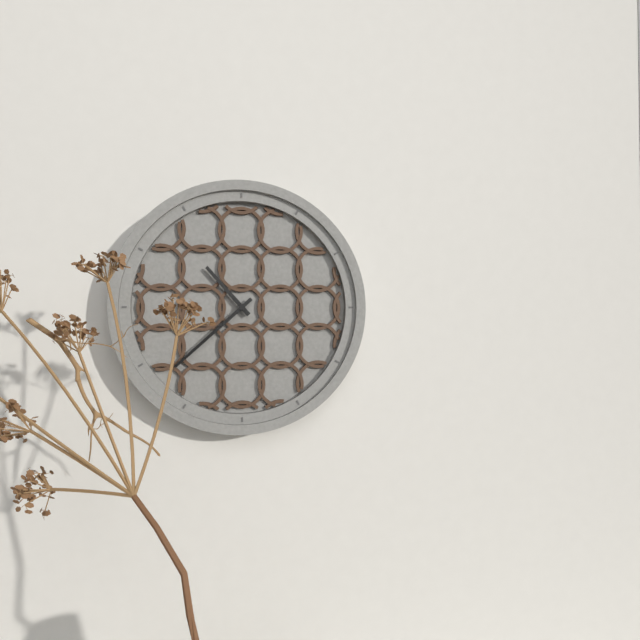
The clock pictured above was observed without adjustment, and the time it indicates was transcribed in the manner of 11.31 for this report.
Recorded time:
10.38
